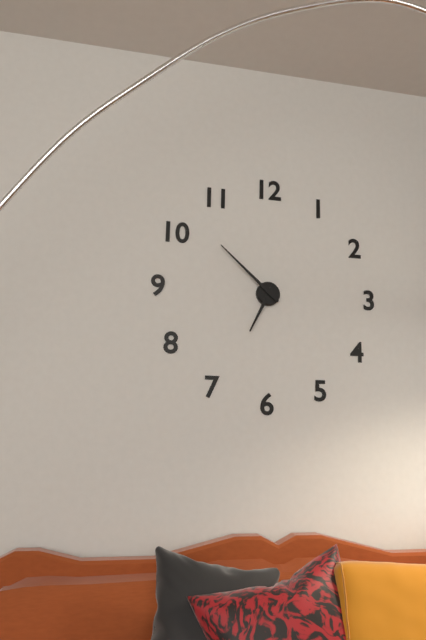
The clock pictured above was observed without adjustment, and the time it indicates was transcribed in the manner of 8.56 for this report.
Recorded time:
6.52
